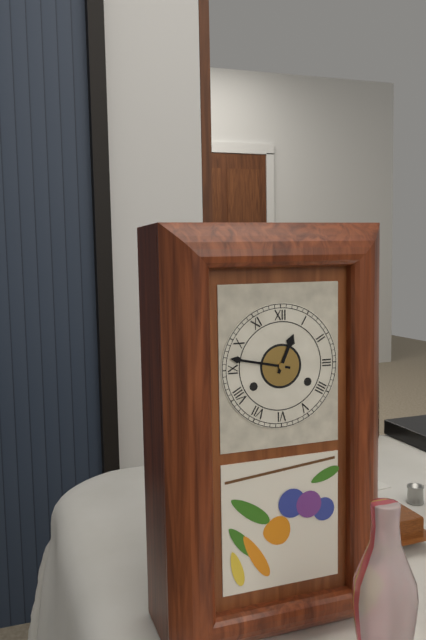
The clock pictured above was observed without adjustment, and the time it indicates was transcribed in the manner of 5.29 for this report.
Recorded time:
12.47
